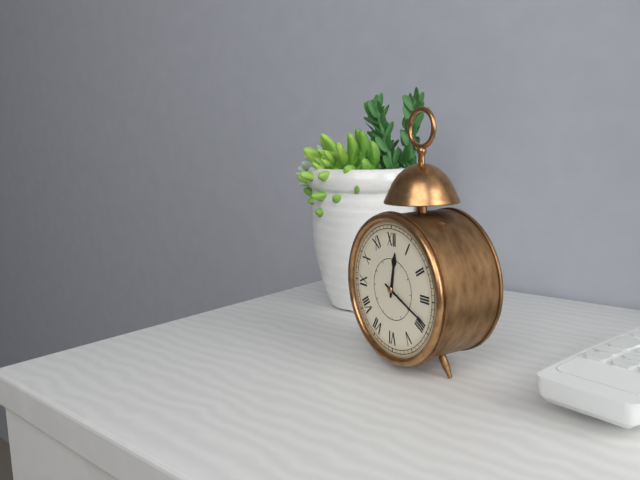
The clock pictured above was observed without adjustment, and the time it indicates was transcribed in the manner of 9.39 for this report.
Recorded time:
12.19
